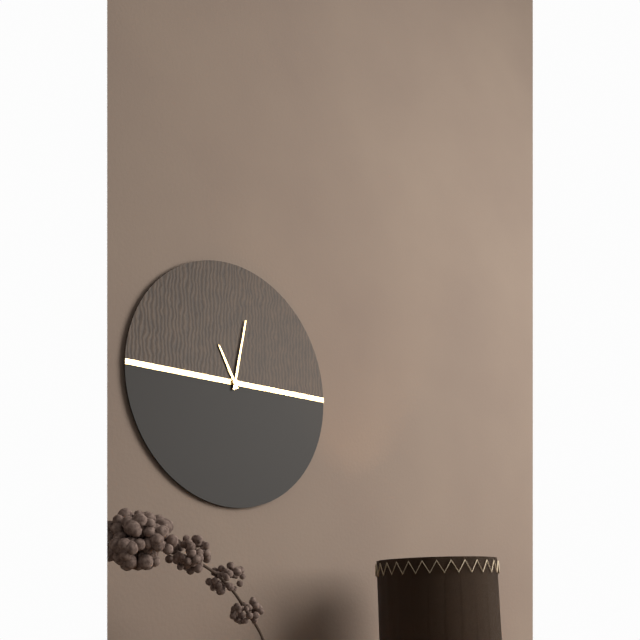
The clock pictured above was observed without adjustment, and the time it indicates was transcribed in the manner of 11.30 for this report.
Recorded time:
11.02
